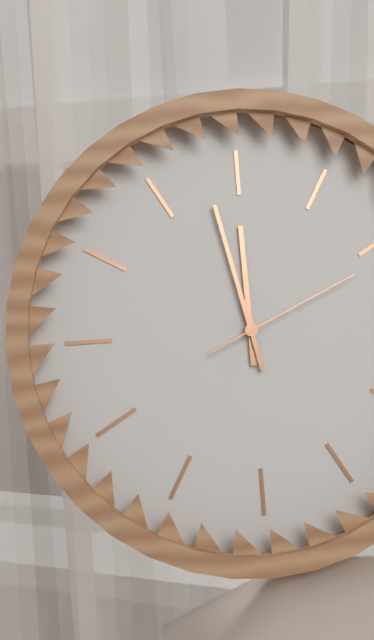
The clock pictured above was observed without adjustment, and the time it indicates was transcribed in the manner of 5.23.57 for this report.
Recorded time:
11.58.11
